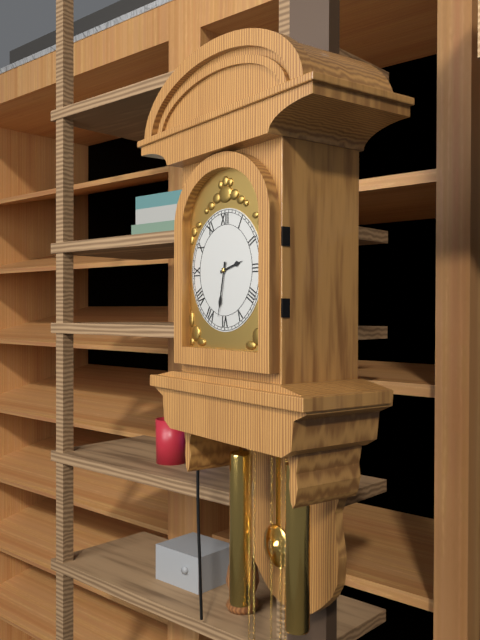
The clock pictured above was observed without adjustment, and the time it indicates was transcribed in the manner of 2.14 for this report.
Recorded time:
2.32
